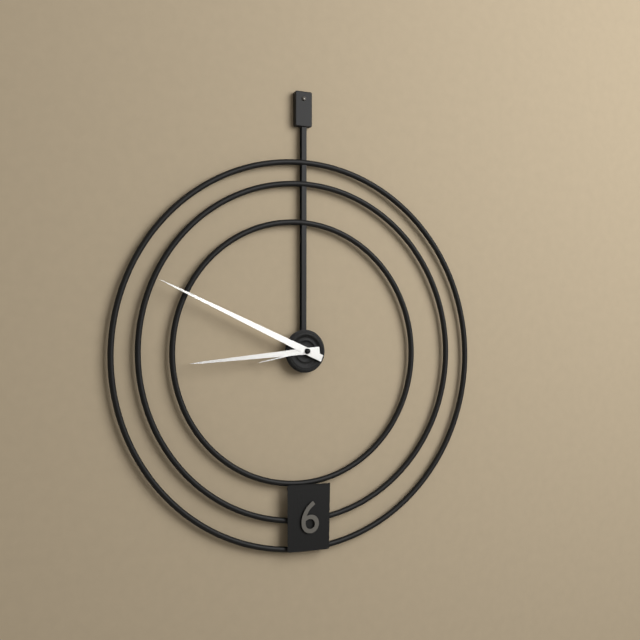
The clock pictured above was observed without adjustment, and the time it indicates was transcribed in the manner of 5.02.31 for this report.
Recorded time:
8.49.43
